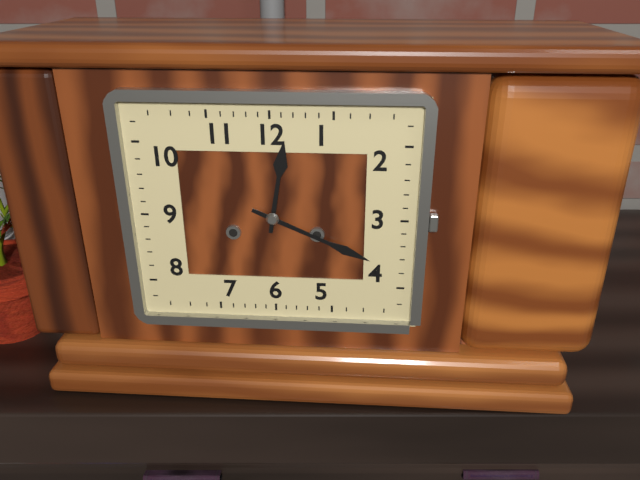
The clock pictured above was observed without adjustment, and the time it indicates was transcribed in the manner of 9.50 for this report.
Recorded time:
12.19
